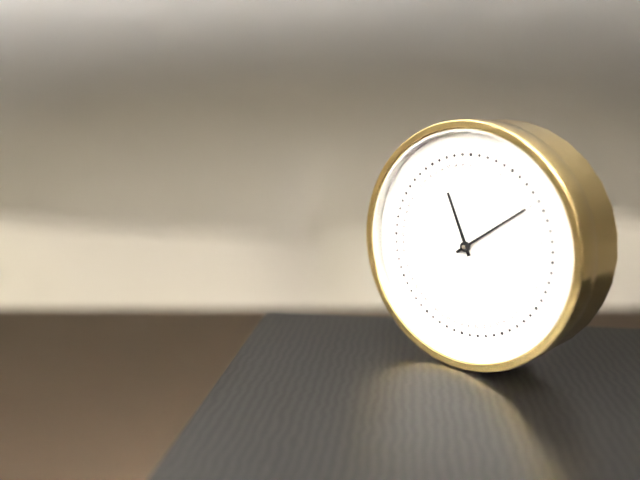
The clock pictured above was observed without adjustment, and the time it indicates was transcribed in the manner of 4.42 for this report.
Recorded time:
11.09
